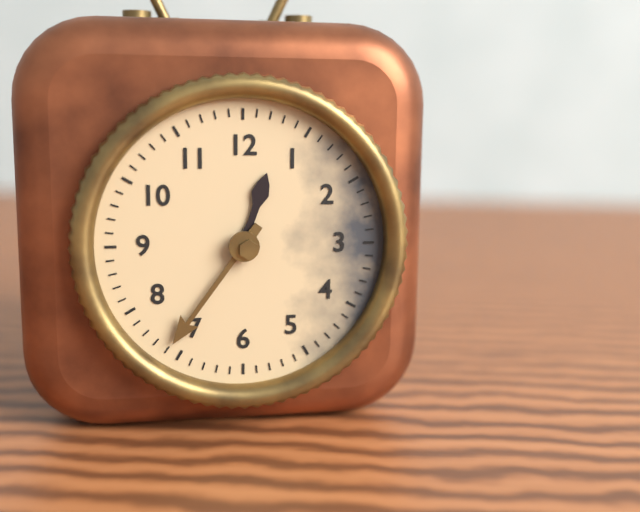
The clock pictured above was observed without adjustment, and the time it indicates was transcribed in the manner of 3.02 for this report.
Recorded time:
12.36
